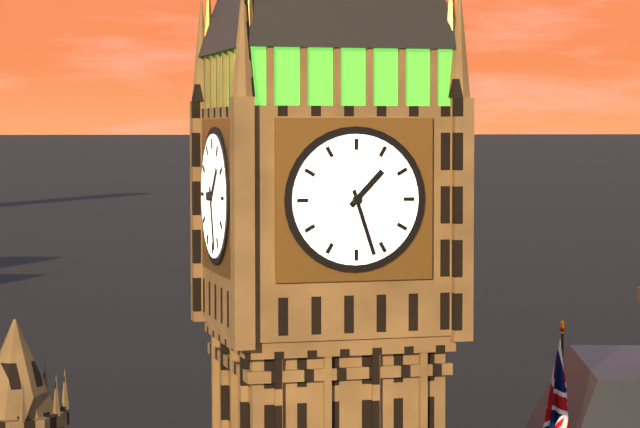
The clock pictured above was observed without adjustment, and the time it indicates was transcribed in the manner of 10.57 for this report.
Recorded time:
1.27
